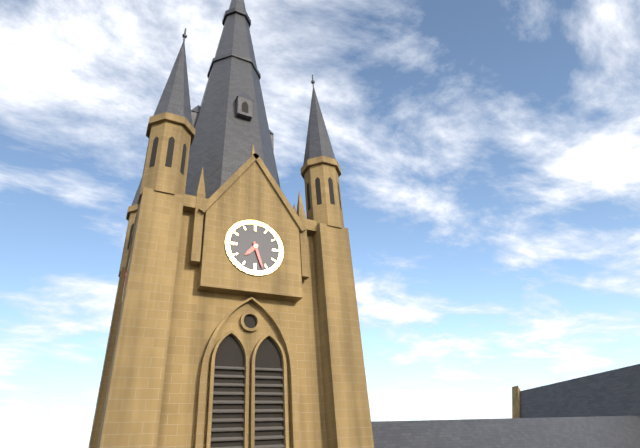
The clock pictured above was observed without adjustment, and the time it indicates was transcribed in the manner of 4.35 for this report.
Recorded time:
7.27
